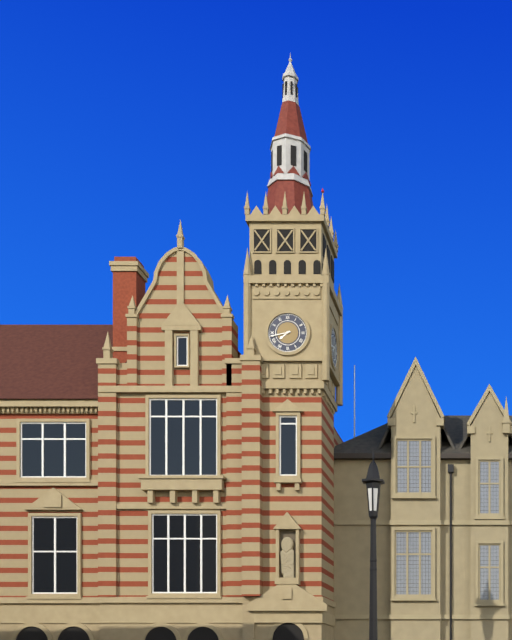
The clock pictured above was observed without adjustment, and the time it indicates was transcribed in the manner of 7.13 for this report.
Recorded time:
7.43
